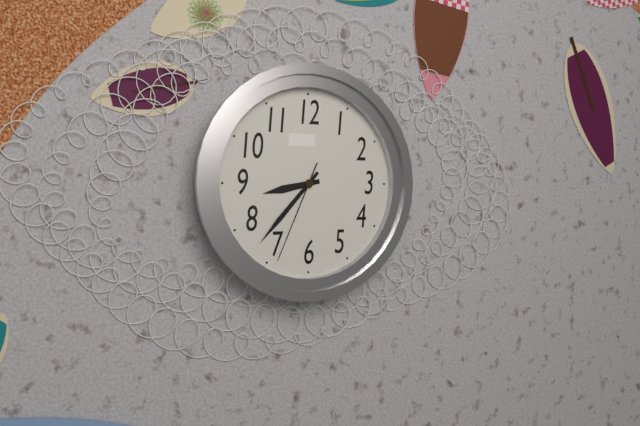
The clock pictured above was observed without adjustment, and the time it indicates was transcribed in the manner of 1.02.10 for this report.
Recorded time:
8.37.34
